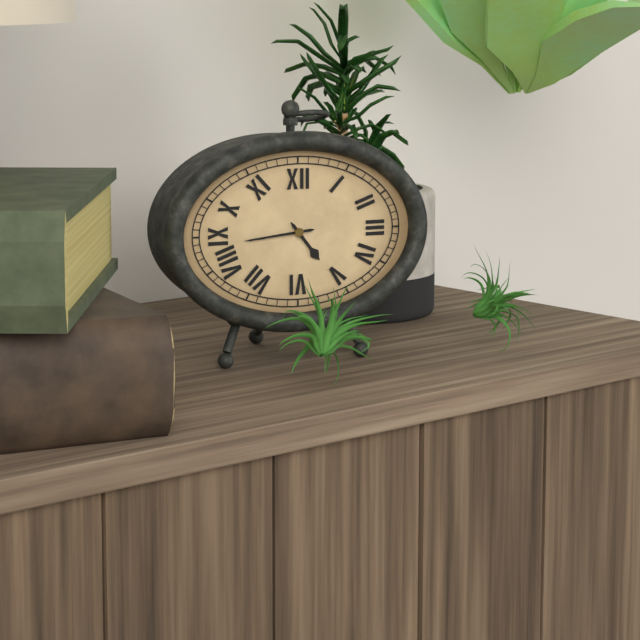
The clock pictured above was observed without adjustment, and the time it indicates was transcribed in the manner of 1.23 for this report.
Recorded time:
4.44
